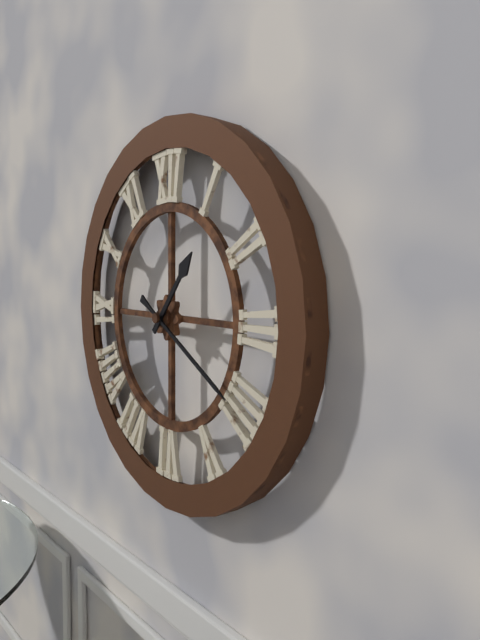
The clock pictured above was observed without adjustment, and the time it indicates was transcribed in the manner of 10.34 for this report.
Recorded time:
1.20
